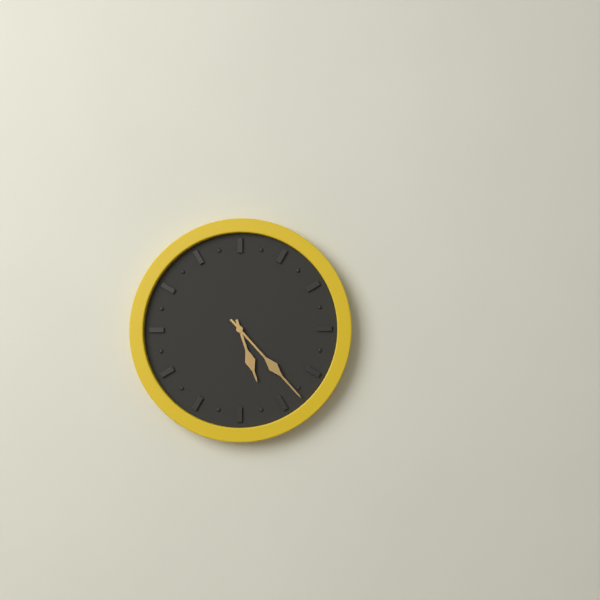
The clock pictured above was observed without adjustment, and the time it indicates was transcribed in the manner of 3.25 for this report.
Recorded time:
5.23
